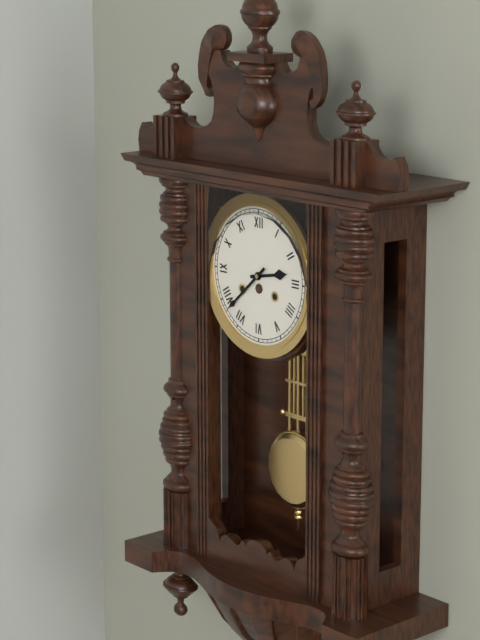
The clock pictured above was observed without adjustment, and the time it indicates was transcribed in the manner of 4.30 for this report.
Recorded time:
2.38
